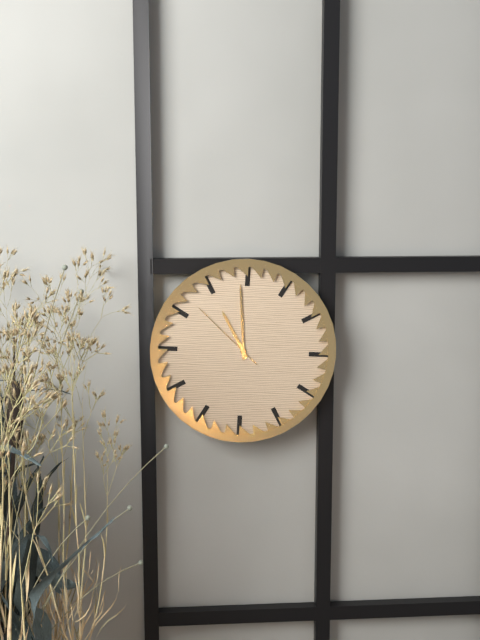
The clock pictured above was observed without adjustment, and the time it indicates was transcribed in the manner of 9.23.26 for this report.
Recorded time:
10.59.52
